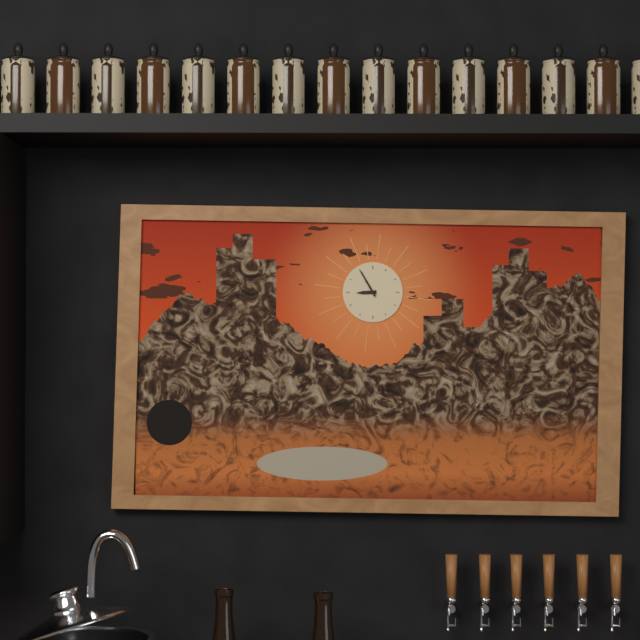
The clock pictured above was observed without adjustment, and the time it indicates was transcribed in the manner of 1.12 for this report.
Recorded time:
8.55
